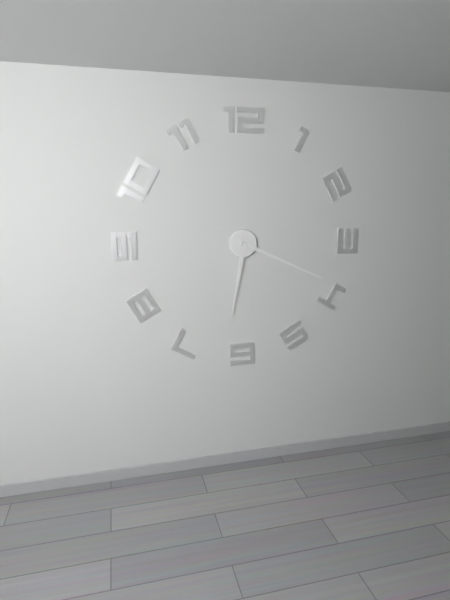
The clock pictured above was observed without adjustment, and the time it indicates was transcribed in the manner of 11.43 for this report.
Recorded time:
6.19
